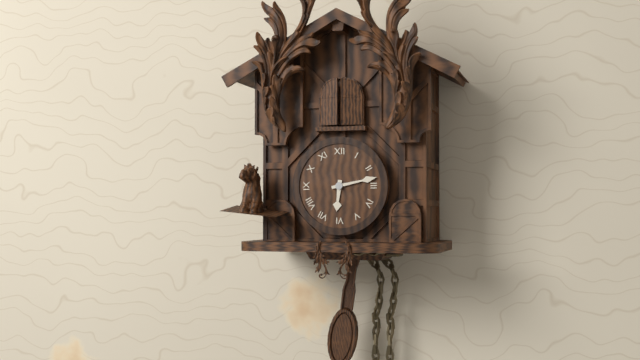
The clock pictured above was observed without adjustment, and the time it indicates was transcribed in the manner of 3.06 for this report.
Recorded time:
6.13
